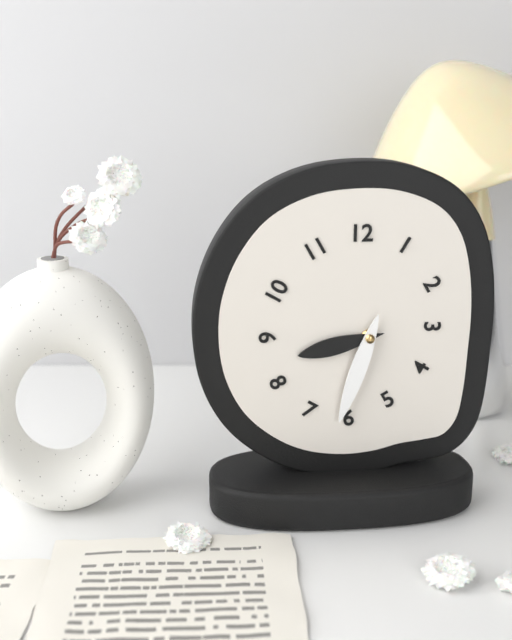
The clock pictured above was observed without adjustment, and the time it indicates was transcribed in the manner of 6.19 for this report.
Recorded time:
8.33
